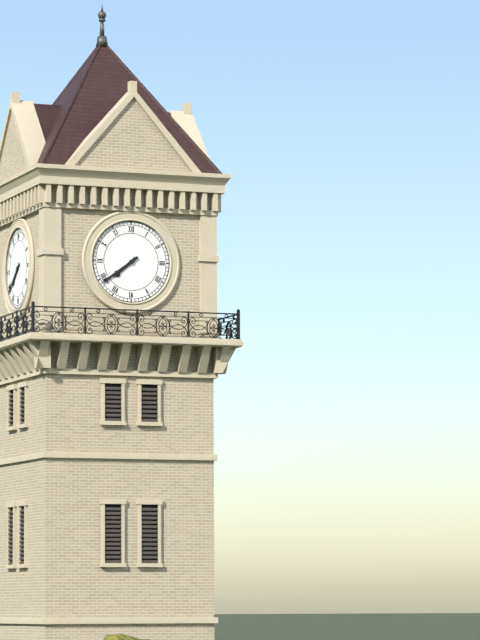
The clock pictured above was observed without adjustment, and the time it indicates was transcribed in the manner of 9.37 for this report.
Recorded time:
7.39
